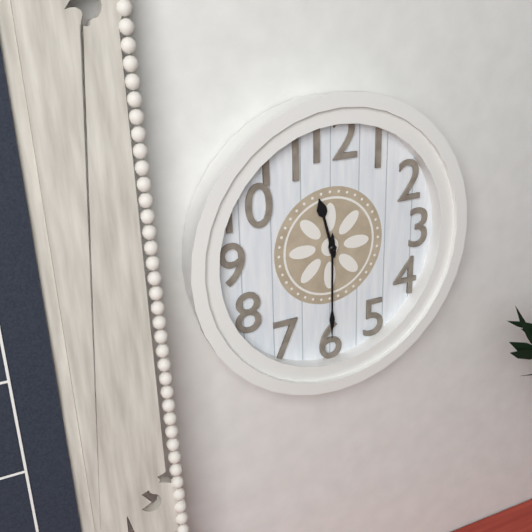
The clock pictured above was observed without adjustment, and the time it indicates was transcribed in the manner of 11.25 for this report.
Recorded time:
11.30
